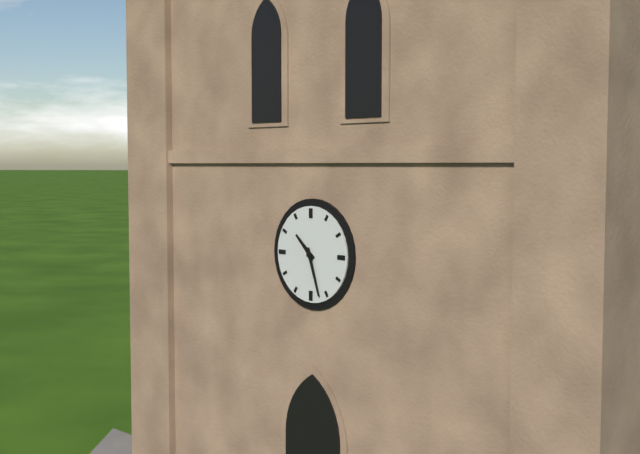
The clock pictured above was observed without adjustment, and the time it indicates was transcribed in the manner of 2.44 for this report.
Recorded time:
10.27
